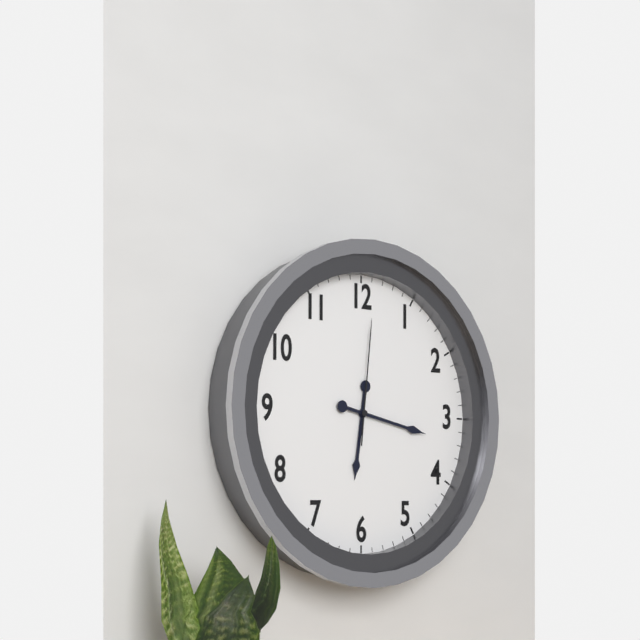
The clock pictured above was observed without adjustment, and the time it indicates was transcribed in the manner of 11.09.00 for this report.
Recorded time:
6.17.01
